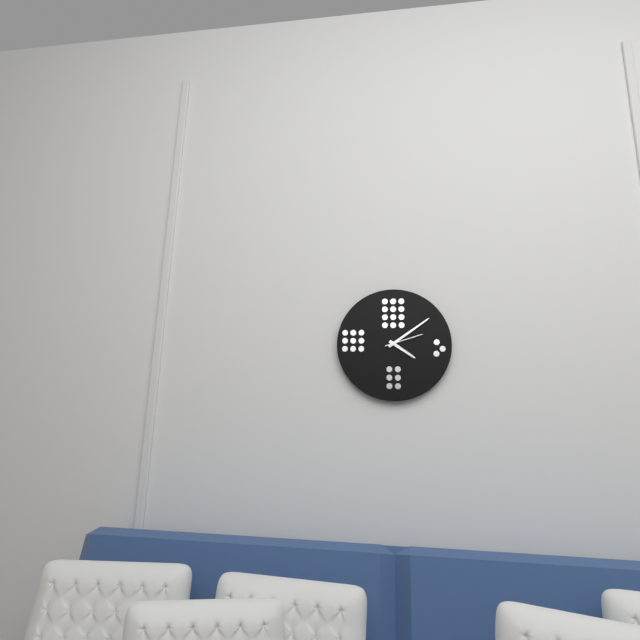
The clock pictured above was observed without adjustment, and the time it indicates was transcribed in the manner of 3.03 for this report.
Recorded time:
4.09
